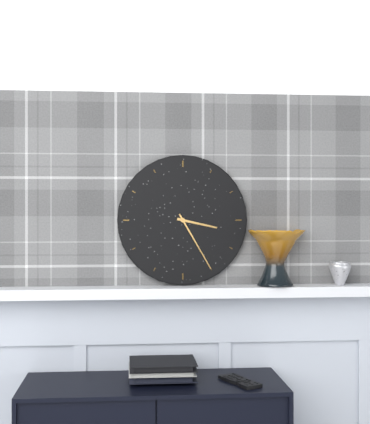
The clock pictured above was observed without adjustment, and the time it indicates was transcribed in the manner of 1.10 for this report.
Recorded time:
3.25
